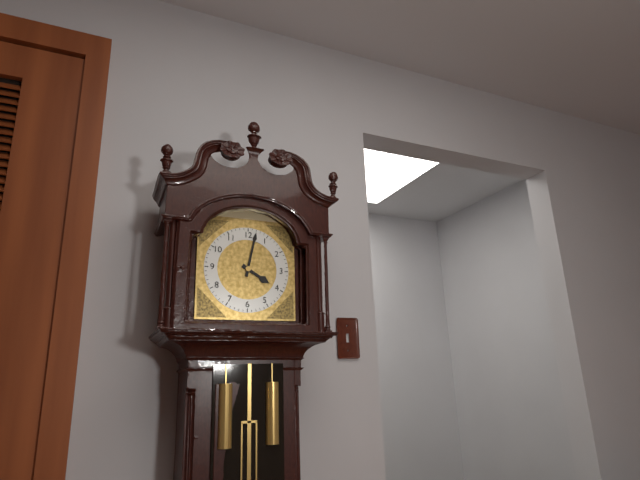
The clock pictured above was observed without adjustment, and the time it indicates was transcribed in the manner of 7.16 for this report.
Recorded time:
4.02
